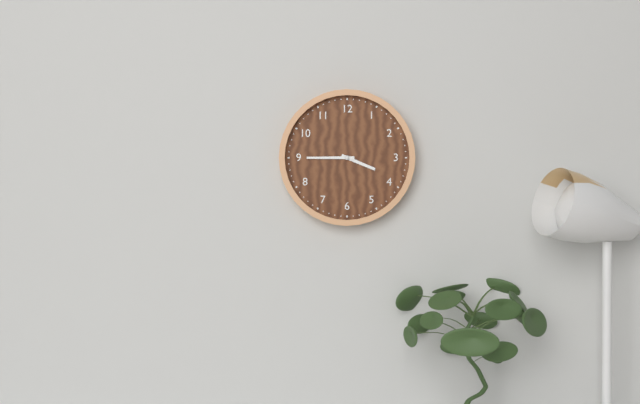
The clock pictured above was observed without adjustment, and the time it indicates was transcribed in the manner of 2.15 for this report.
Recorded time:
3.45
